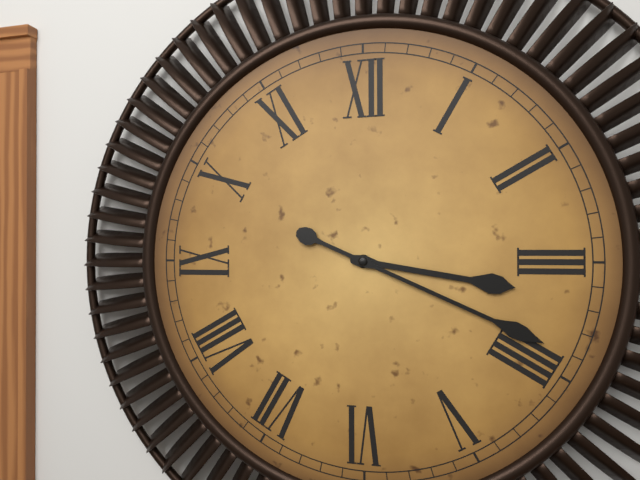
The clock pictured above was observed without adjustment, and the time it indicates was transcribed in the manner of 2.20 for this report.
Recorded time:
3.19
